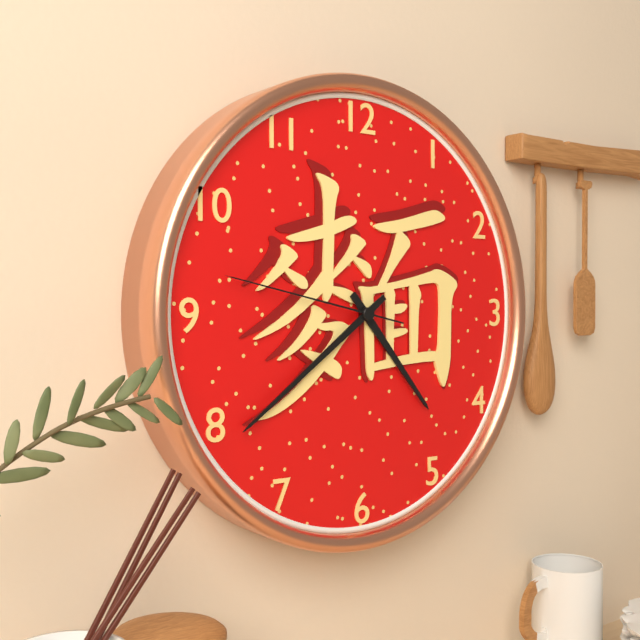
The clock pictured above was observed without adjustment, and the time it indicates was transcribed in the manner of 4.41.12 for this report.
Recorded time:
4.39.47
